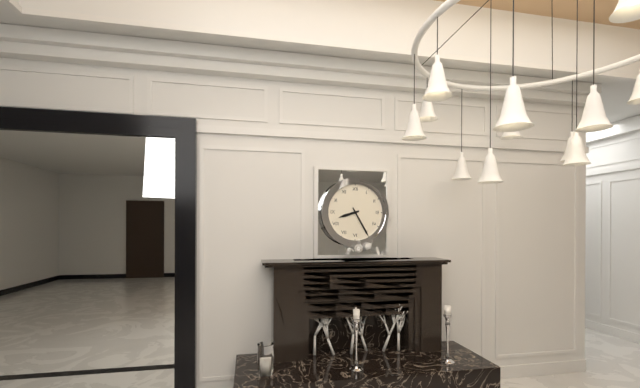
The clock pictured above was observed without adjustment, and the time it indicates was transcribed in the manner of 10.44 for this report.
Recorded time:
8.25
